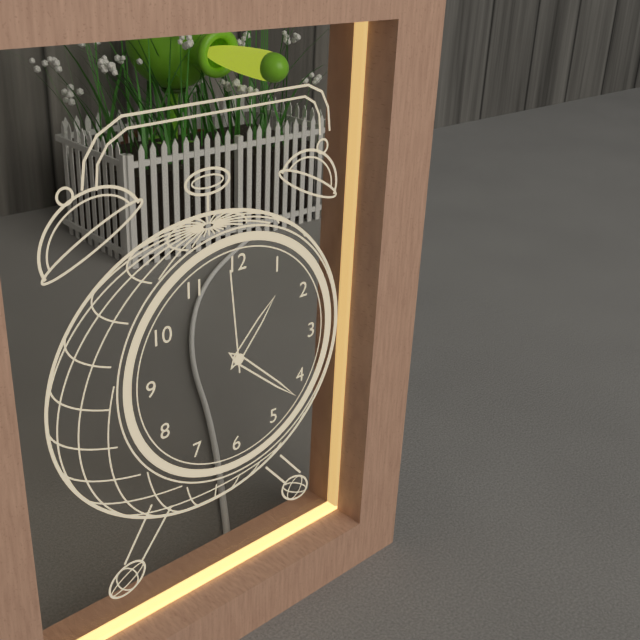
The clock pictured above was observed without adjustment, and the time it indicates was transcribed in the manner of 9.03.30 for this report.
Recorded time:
1.22.59
